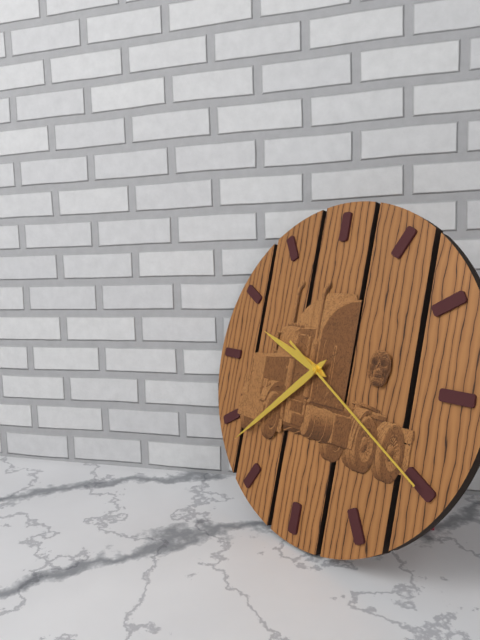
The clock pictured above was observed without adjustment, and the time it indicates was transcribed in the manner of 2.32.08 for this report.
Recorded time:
9.38.20
